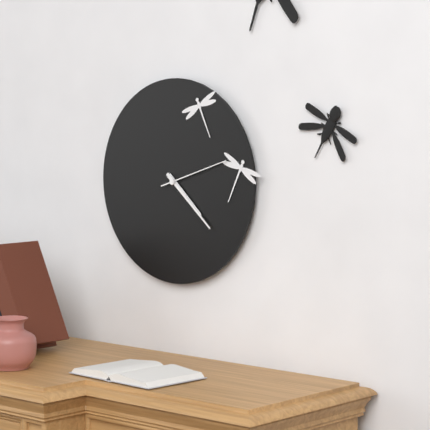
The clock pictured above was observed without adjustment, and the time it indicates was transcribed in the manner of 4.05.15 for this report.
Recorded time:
4.22.12
